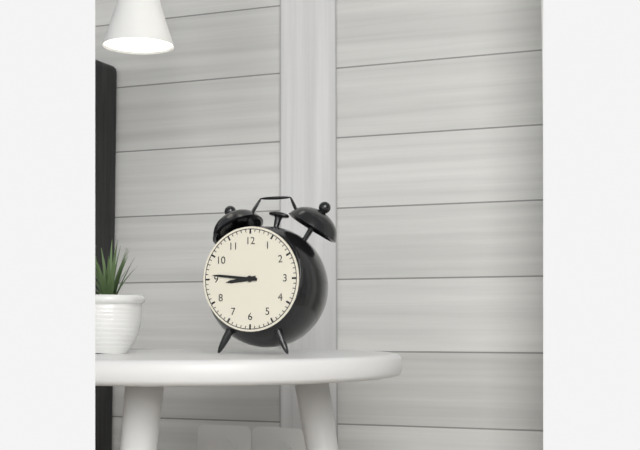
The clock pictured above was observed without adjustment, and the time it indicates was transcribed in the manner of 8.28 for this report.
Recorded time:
8.46
